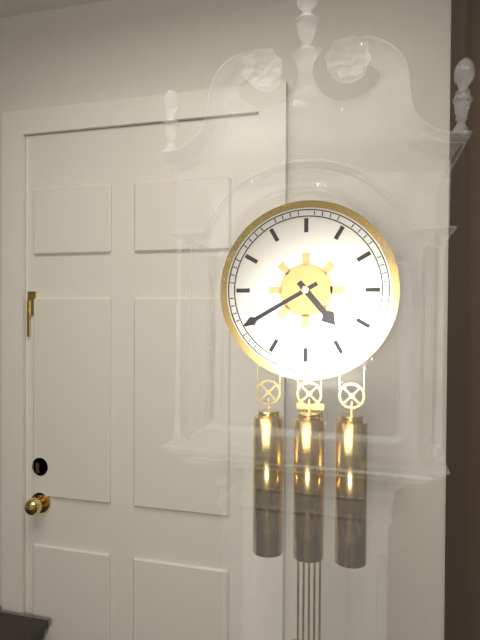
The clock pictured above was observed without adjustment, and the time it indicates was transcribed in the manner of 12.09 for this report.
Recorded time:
4.40
